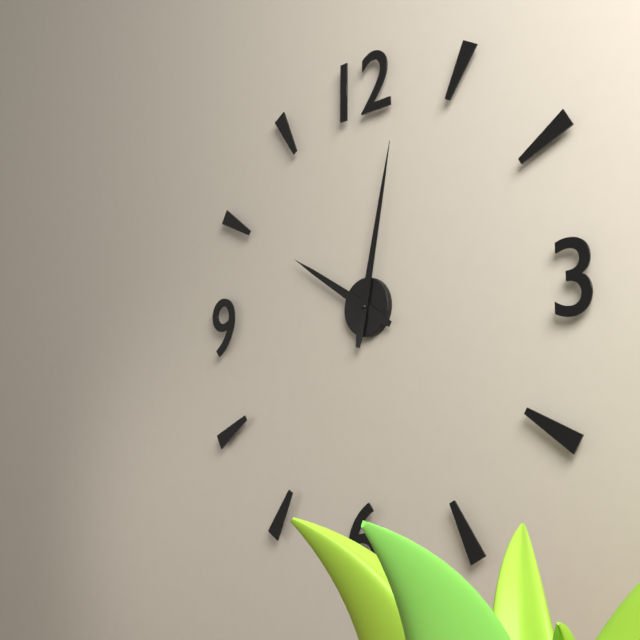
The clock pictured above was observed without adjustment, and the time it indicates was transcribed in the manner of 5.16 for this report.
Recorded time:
10.02
